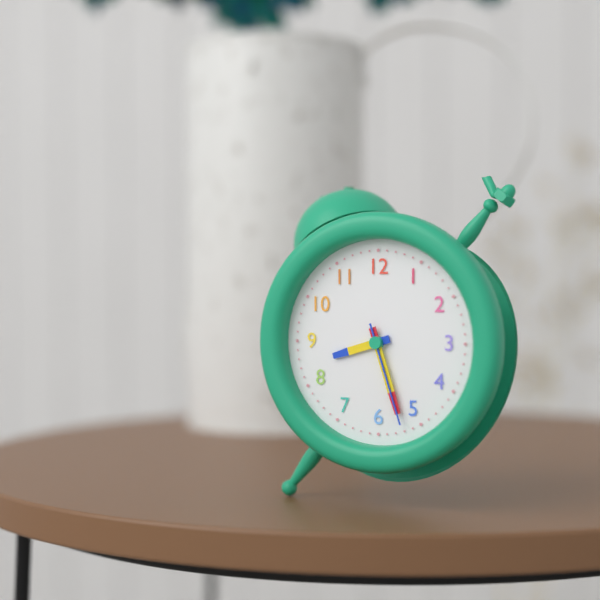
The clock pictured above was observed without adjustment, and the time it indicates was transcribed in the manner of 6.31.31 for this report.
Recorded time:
8.27.27
